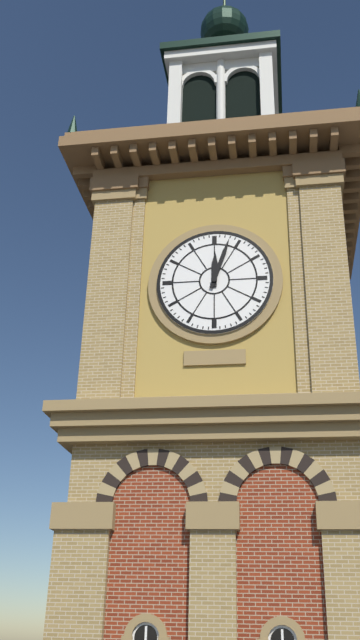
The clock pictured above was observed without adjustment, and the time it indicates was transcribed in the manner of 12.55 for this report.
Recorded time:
12.03
